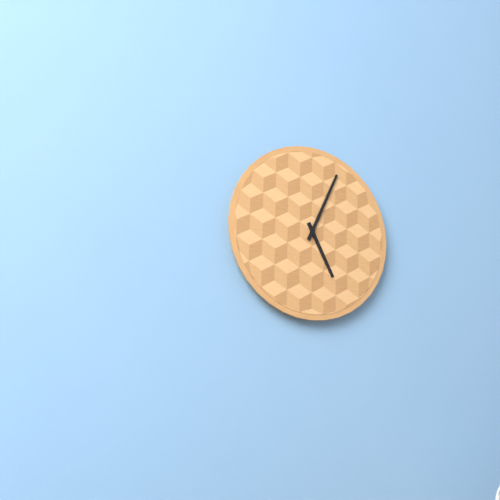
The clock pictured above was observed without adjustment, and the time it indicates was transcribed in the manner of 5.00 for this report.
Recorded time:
5.04
